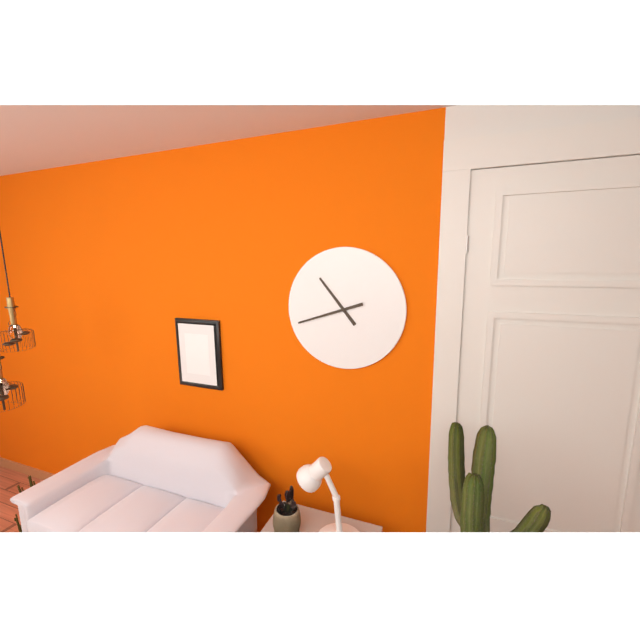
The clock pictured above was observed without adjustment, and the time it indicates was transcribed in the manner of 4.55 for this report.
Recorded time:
10.42
